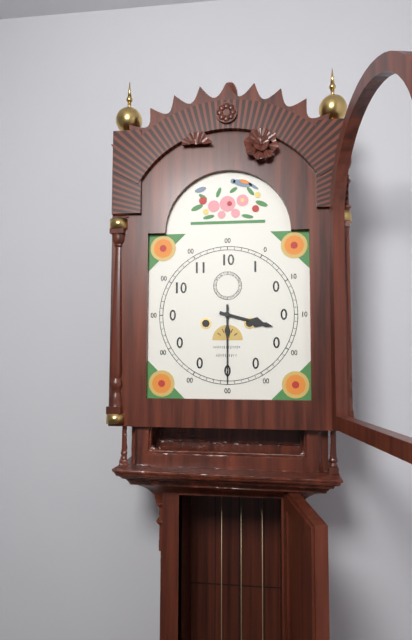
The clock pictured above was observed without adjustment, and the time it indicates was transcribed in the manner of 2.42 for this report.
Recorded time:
3.30
